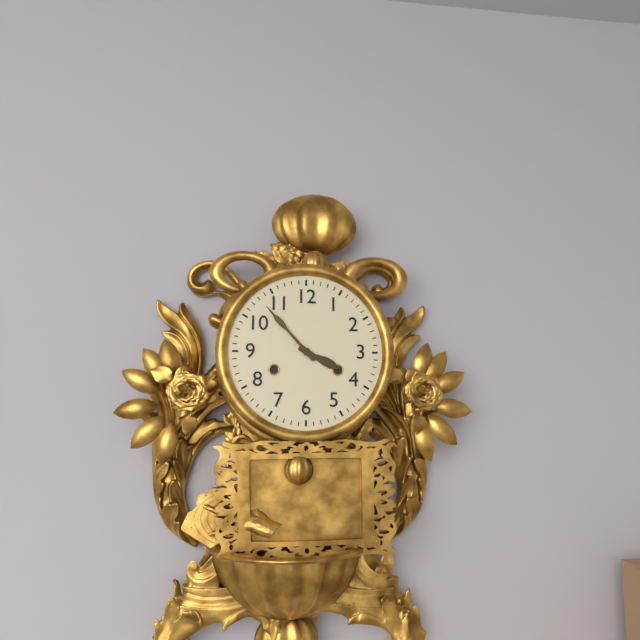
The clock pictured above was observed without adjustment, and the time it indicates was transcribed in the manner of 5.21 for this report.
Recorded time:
3.53
